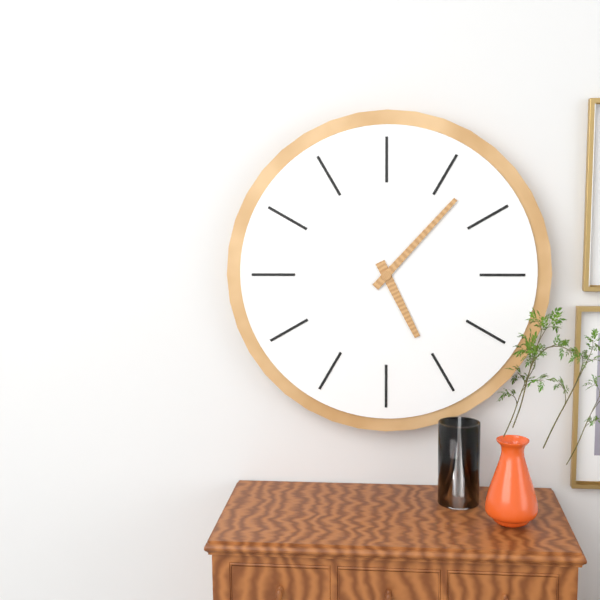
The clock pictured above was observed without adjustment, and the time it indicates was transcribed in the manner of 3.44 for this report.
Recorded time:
5.07
